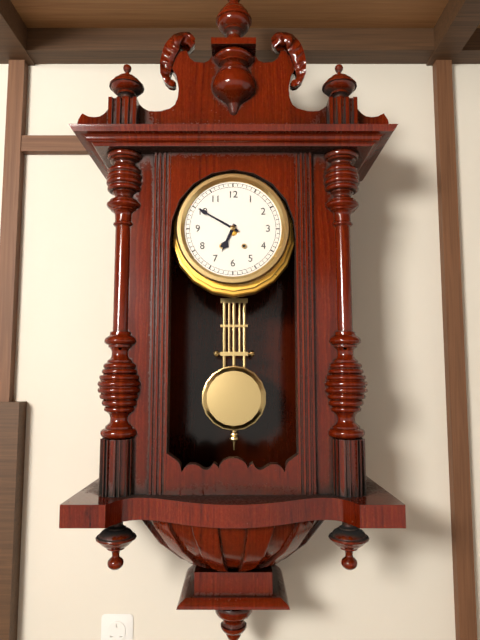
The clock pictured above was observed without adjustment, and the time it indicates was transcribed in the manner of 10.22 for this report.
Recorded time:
6.50
